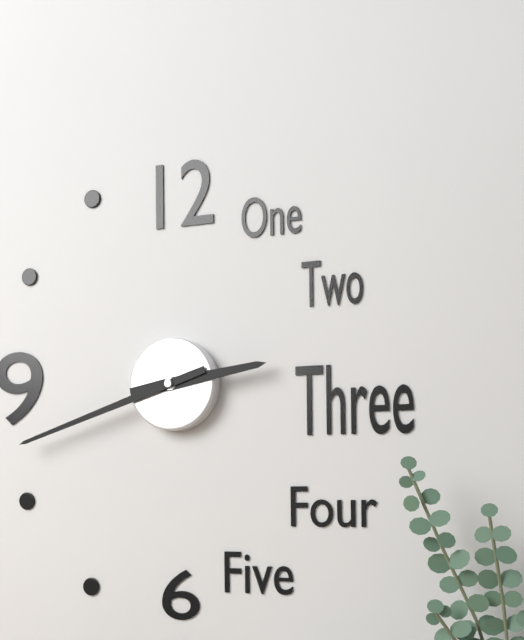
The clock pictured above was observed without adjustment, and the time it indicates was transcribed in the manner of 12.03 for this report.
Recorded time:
2.42
